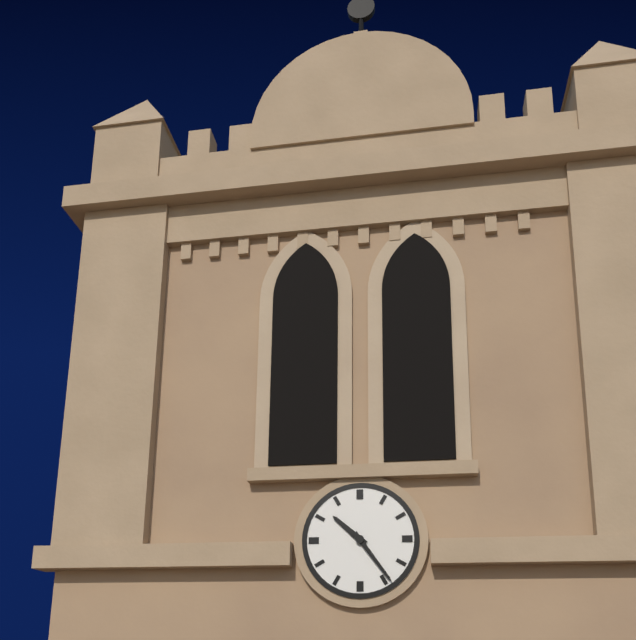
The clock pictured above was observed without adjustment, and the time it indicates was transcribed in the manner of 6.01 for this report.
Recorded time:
10.24
